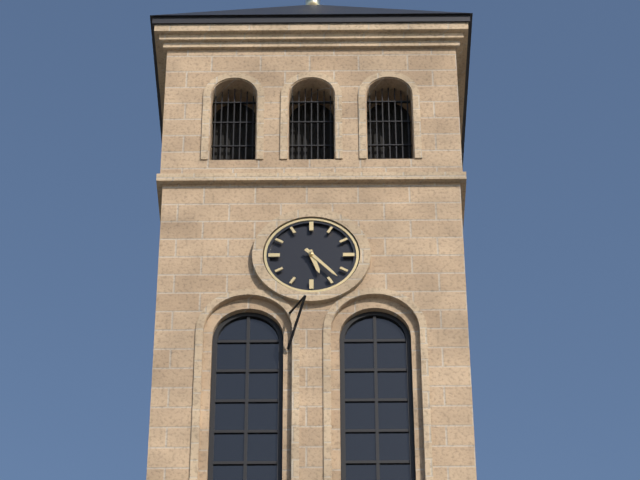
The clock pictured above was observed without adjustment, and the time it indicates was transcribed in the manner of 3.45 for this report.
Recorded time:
5.23
